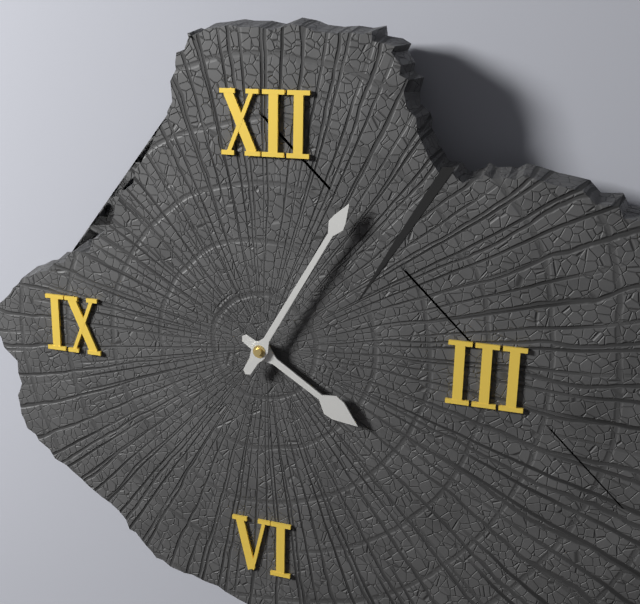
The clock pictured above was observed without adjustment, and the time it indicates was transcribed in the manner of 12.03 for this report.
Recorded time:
4.05
